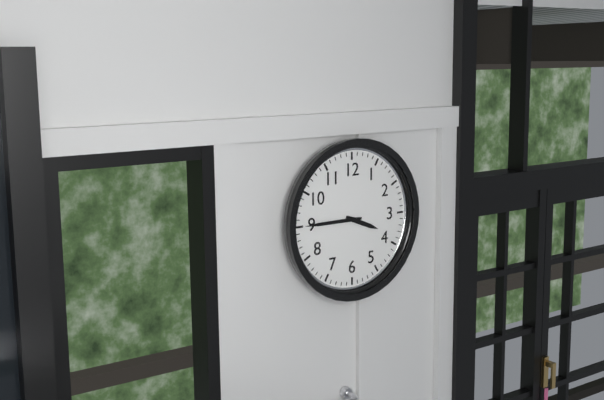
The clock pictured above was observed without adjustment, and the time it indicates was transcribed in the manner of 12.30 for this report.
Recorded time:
3.45
